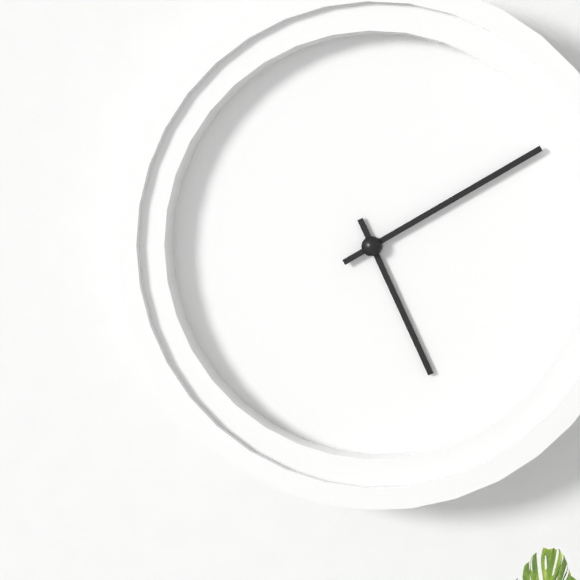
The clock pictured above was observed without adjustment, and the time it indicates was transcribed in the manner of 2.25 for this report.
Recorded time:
5.10
